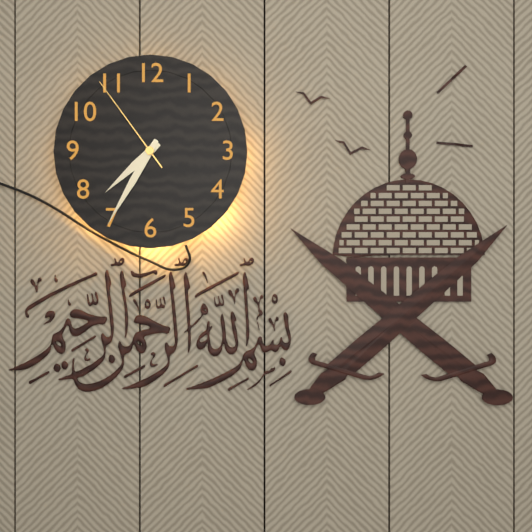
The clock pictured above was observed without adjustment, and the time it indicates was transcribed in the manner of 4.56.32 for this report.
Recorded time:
7.35.54
